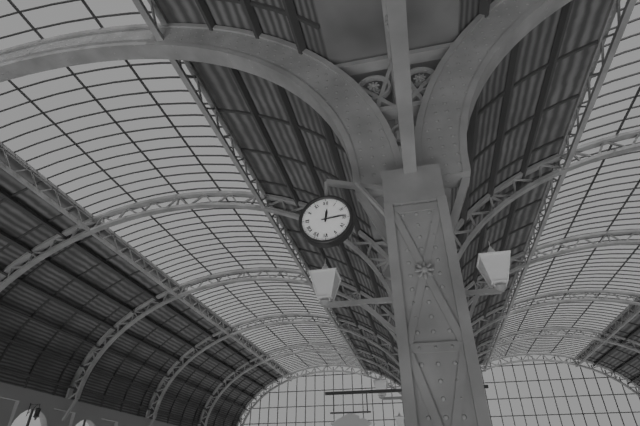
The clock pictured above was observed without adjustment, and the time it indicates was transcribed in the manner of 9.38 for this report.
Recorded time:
12.14
